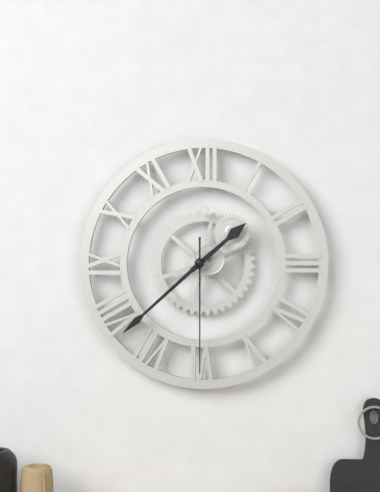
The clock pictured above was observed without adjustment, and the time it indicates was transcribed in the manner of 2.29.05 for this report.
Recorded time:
1.38.30
